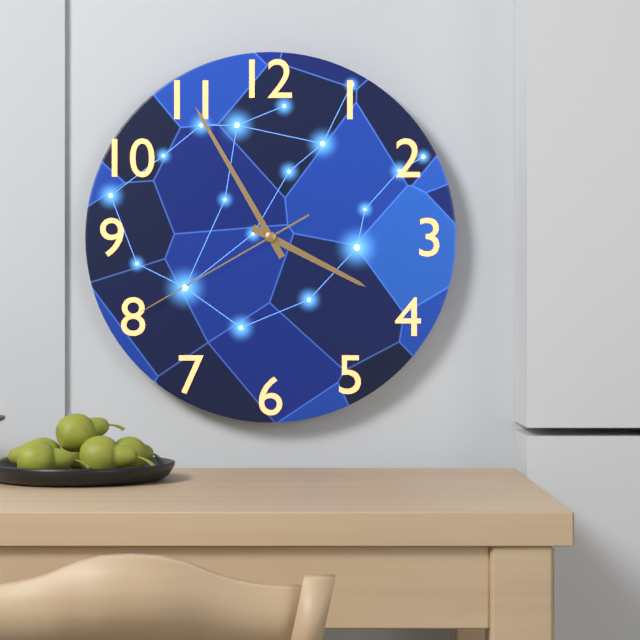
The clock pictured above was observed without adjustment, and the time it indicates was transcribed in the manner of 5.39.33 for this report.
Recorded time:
3.55.40
